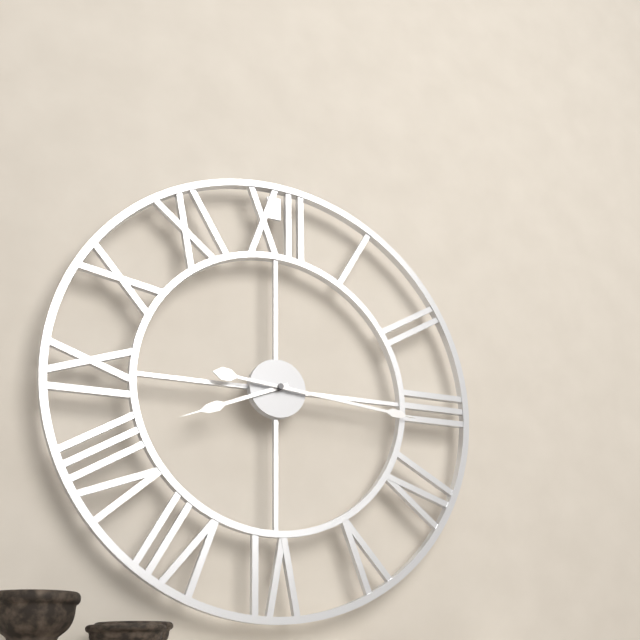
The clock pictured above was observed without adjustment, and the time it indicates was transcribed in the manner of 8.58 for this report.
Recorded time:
8.16
